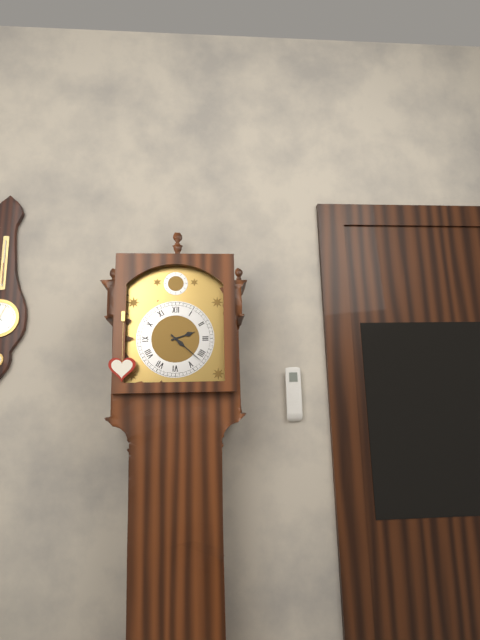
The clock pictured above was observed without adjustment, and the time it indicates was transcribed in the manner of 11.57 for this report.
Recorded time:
2.22
